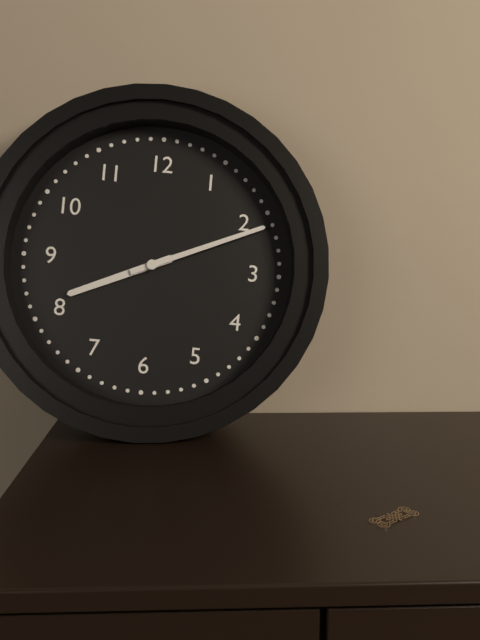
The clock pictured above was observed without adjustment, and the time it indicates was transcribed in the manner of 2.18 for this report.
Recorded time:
8.11
